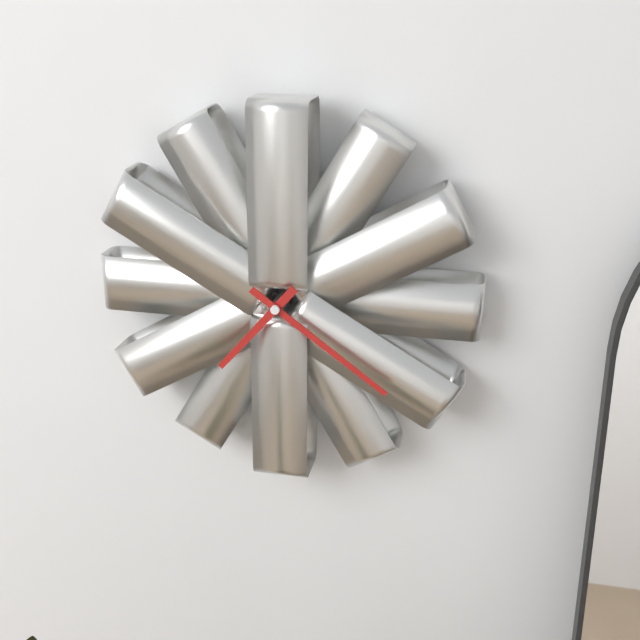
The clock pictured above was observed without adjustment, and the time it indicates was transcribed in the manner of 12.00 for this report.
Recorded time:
7.21
